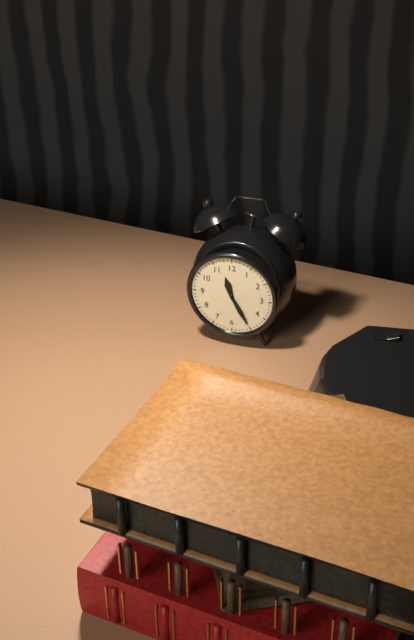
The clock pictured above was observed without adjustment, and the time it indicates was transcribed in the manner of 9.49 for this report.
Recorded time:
11.25
